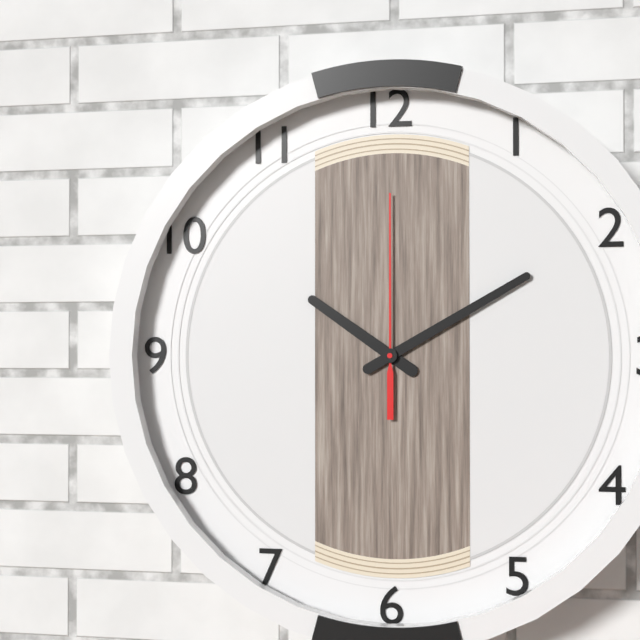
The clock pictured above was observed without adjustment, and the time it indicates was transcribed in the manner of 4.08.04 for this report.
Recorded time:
10.10.00
